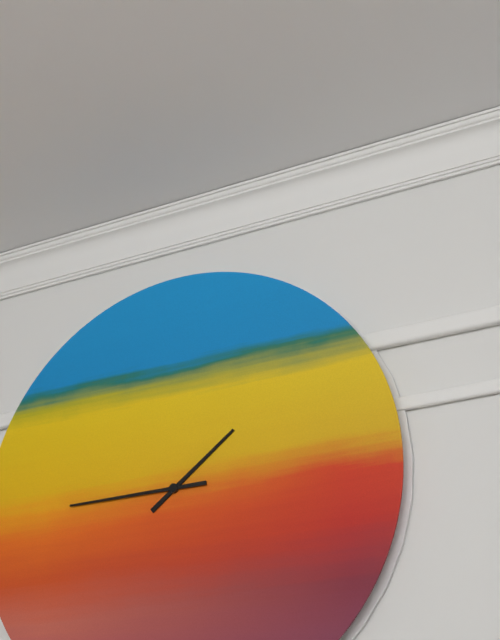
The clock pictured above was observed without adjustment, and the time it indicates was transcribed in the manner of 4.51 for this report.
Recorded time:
1.45
